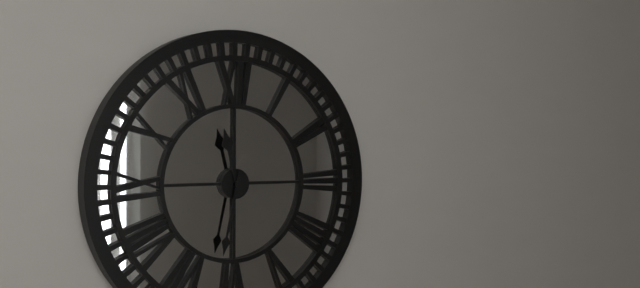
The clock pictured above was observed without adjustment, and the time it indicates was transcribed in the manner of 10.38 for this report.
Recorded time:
11.32
